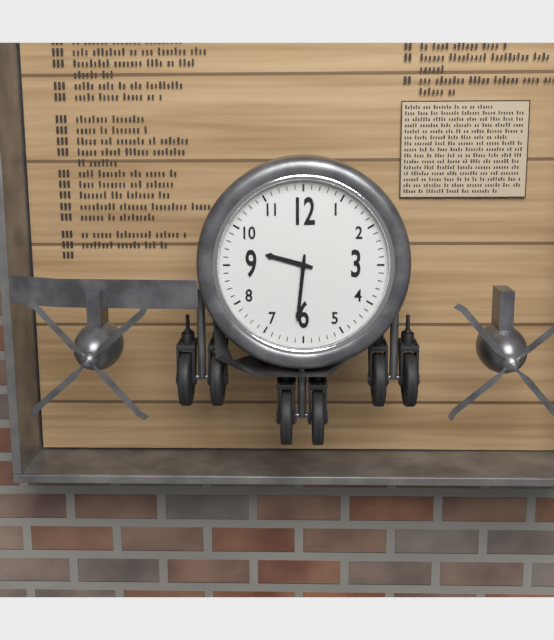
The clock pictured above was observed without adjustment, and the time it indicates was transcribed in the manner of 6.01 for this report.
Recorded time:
9.31
